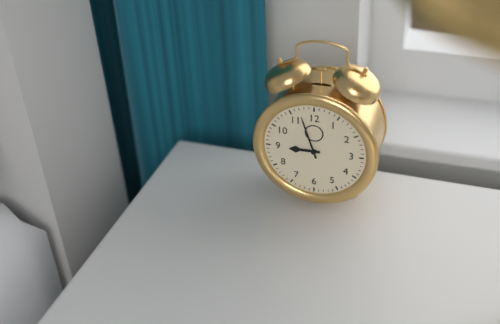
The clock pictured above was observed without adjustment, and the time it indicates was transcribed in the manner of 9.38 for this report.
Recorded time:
8.57
